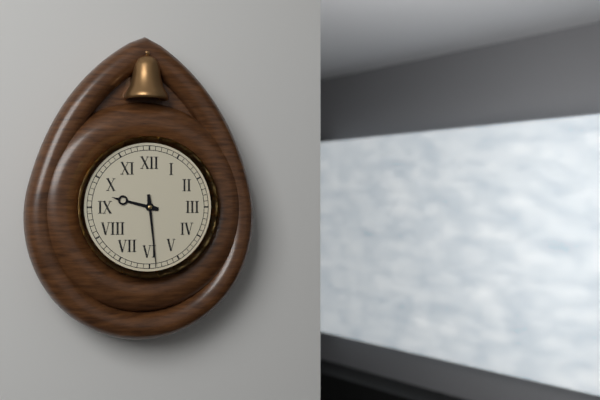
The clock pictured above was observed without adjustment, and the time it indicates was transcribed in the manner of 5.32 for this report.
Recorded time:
9.29
